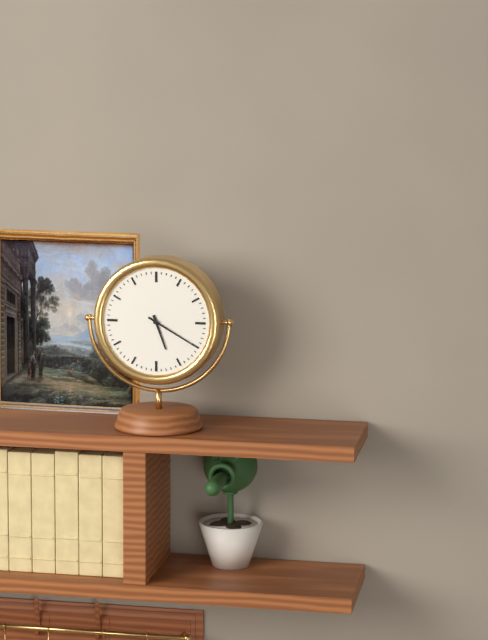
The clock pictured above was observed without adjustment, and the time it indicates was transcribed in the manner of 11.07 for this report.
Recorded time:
5.20
